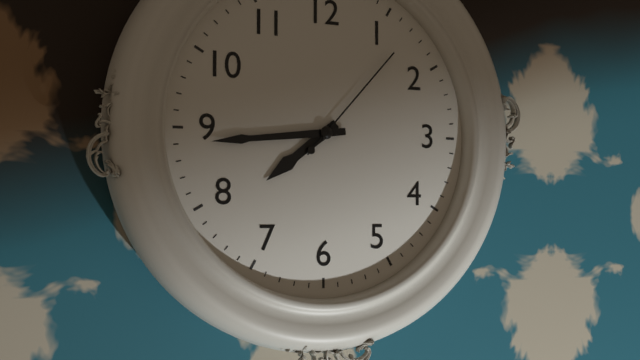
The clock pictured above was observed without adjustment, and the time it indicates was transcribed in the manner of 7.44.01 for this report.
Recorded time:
7.44.07
